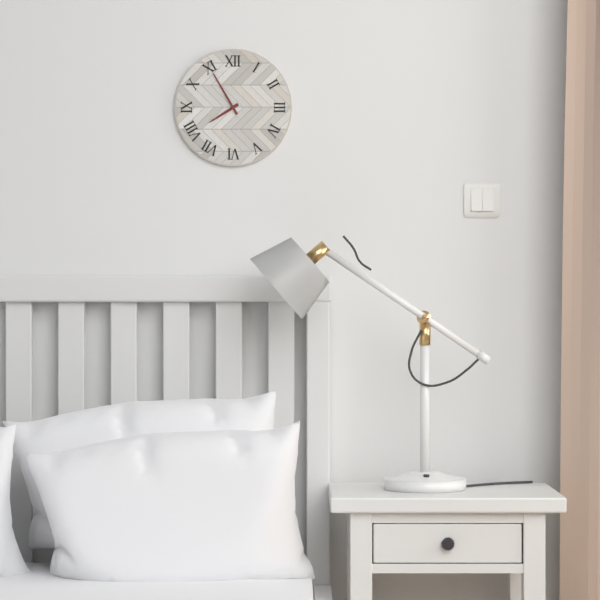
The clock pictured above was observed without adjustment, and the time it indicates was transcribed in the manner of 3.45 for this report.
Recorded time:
7.55
